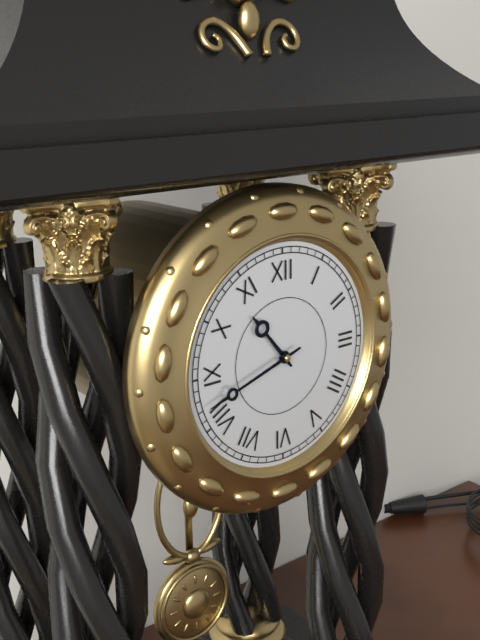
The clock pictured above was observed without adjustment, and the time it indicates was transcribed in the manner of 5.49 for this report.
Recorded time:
10.42
